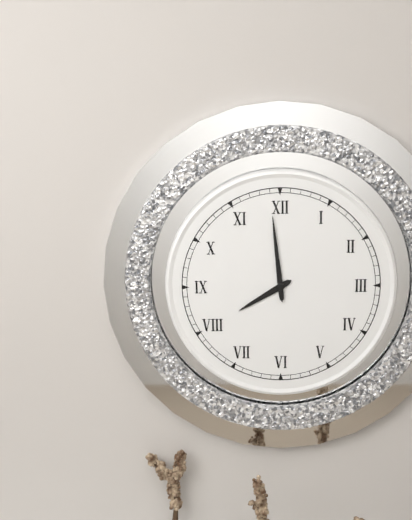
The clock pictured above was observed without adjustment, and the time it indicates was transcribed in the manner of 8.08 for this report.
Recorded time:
7.59
